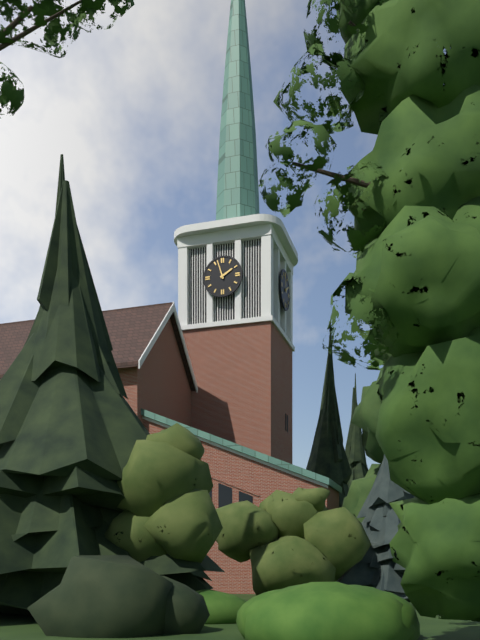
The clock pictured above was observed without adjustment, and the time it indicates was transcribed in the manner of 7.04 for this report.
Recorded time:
1.57
